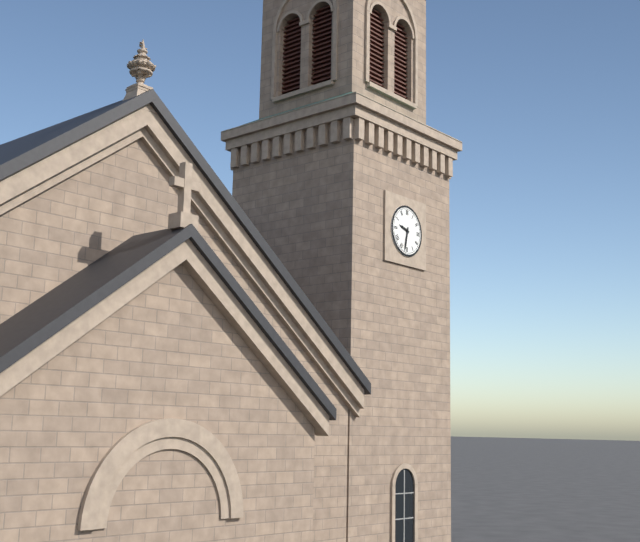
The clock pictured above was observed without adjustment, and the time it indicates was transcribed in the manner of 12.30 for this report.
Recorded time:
9.32
